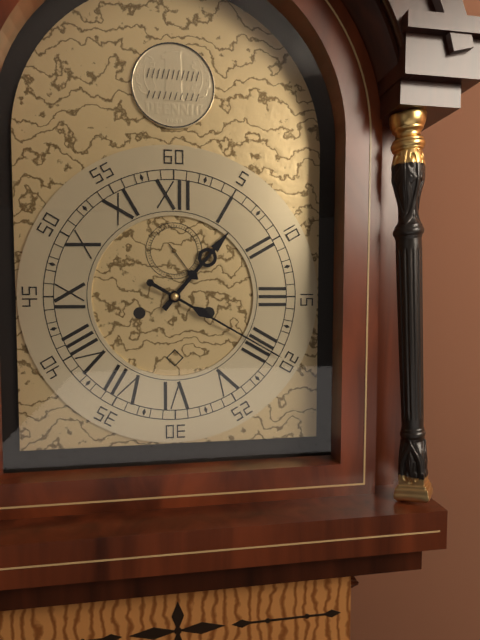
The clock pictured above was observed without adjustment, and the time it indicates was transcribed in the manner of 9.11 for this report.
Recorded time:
1.20
